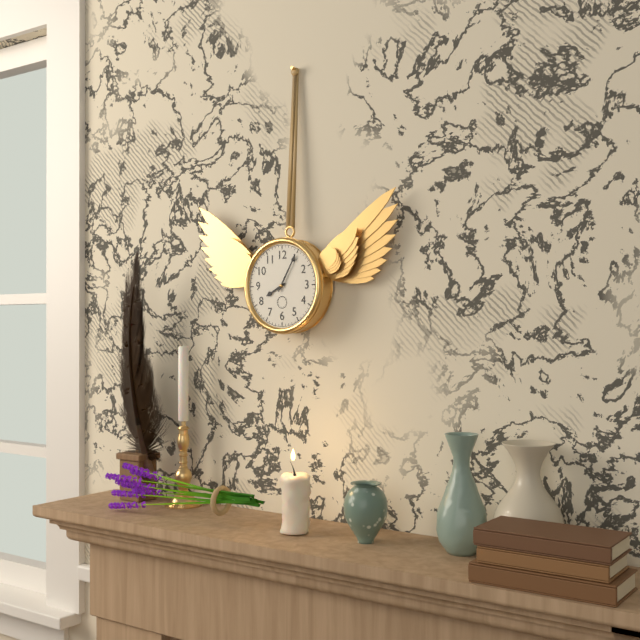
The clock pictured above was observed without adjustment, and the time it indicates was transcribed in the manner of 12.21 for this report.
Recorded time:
8.05
